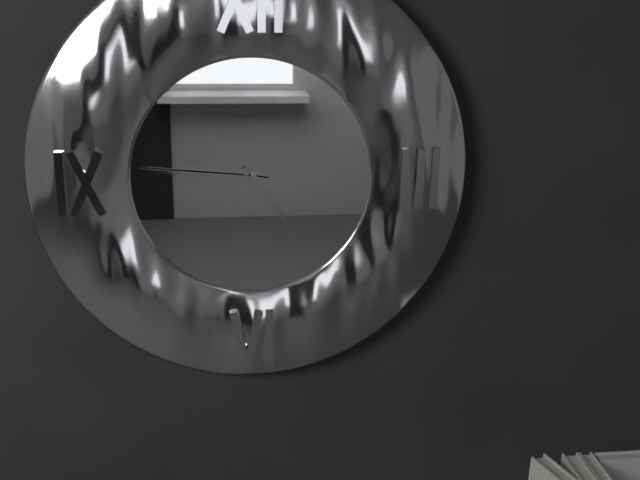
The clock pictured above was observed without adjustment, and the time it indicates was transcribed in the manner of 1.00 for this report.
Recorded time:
4.46
